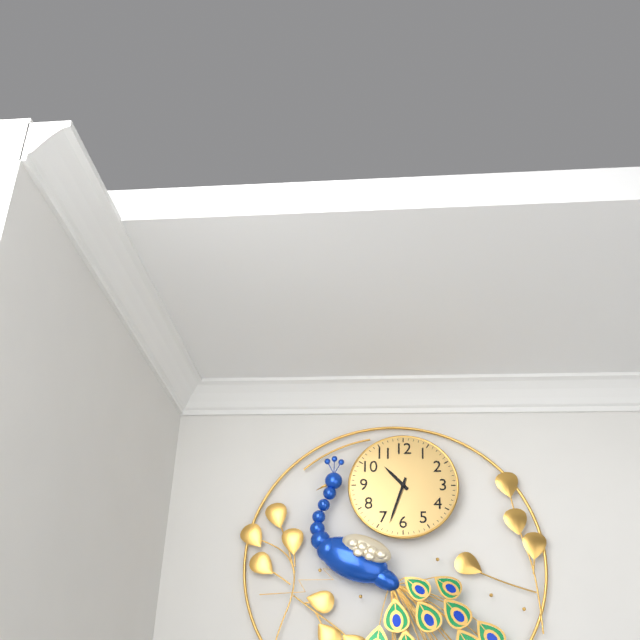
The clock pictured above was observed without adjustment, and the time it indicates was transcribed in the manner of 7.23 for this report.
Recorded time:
10.33
